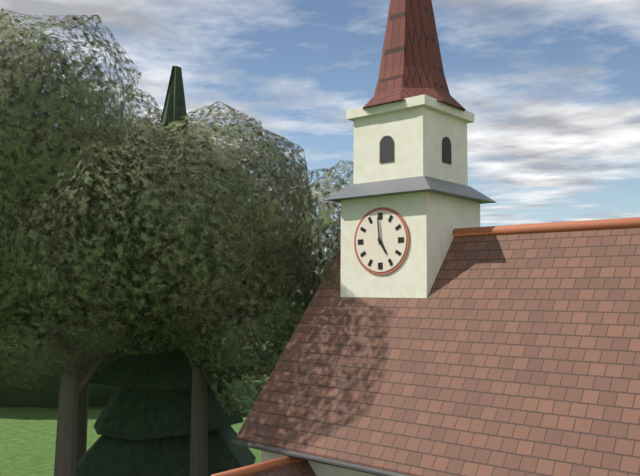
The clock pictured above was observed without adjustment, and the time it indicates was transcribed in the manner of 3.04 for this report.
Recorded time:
4.59
